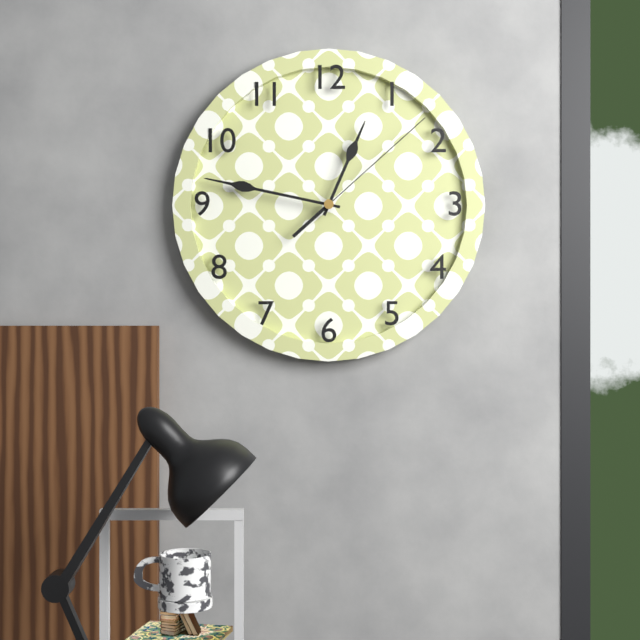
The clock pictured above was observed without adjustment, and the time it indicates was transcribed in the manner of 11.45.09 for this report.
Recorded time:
12.47.08
